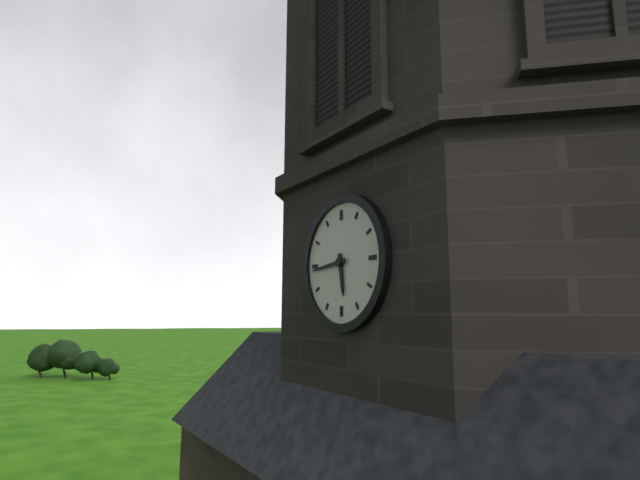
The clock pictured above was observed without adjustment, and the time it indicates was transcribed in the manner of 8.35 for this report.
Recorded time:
5.44
